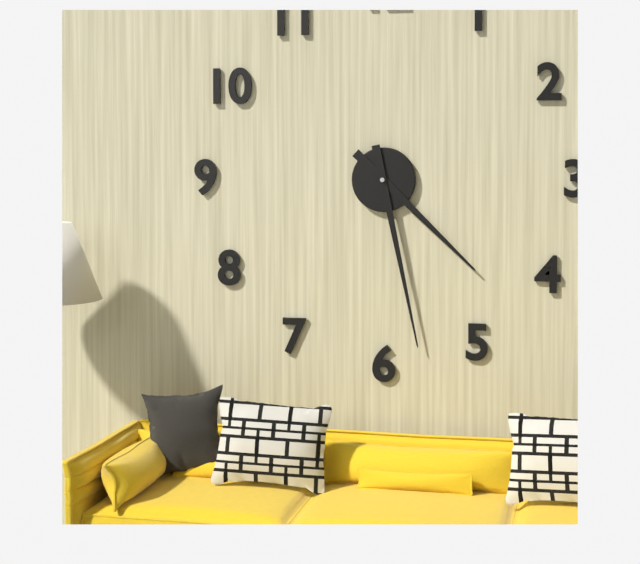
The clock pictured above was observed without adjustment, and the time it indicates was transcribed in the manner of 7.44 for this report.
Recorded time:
4.28
